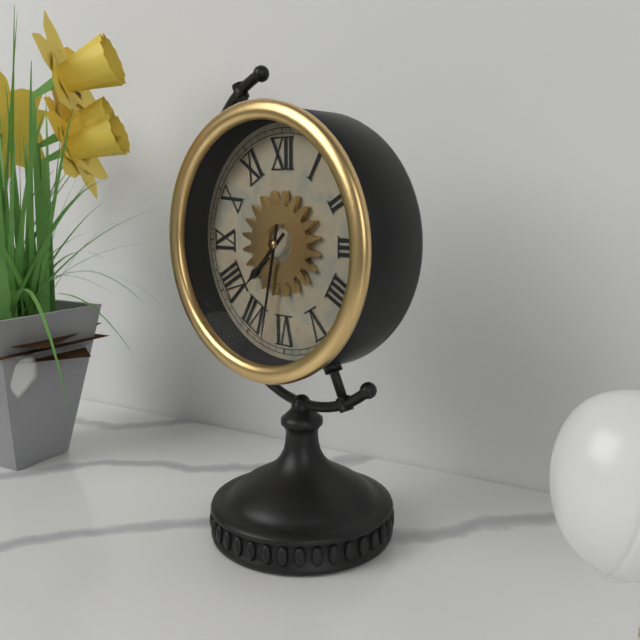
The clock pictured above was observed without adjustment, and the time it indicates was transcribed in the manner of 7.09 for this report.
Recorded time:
7.32
